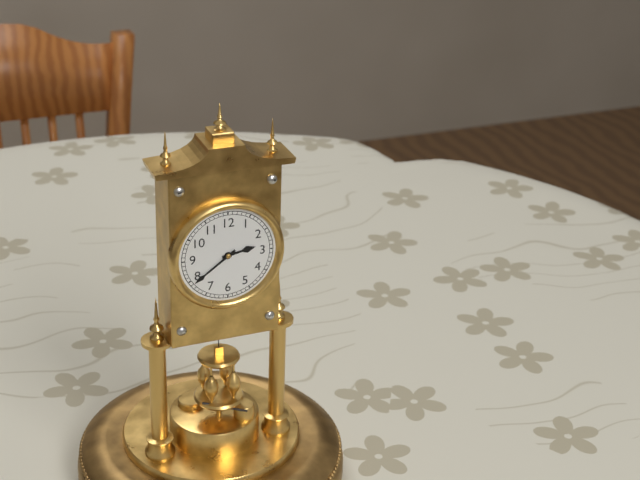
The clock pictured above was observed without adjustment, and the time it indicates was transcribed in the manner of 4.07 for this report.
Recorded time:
2.39
